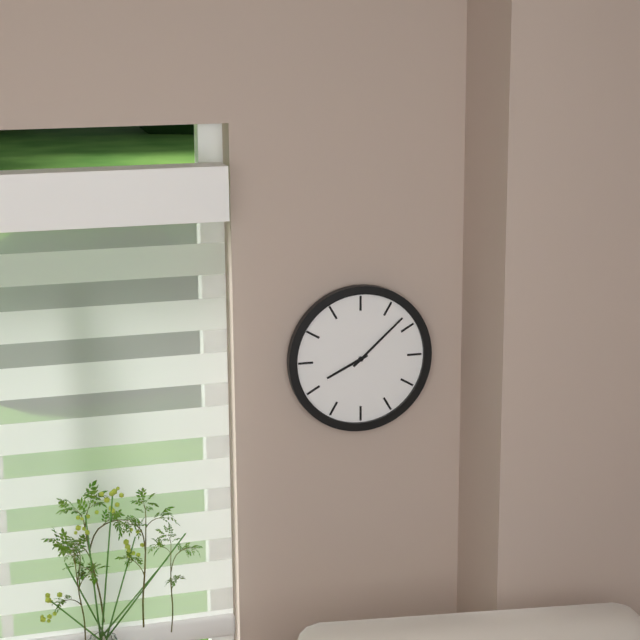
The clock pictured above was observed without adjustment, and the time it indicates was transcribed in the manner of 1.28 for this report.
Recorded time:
8.08
